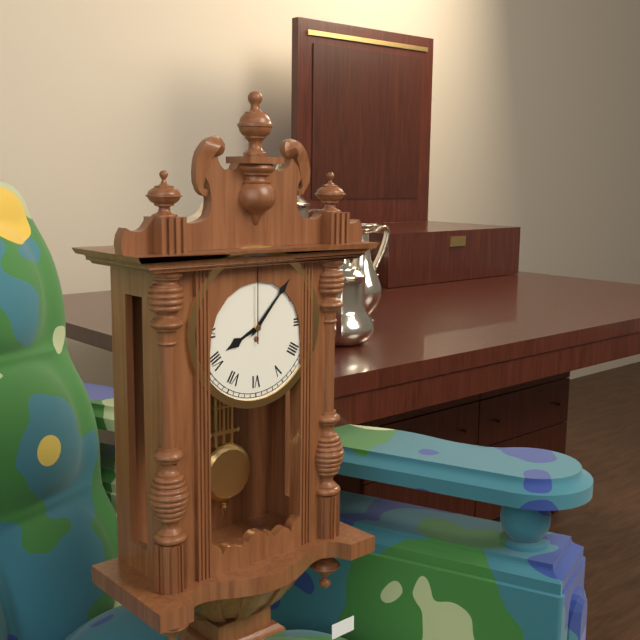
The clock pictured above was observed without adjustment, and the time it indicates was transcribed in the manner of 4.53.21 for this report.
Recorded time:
8.07.00
